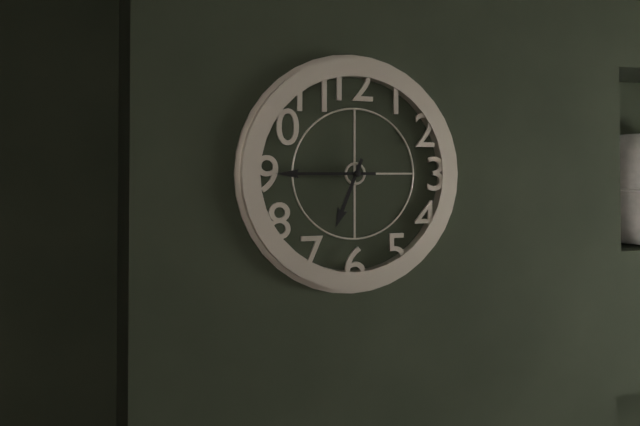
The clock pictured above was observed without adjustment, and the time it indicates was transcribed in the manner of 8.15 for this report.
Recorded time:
6.45
